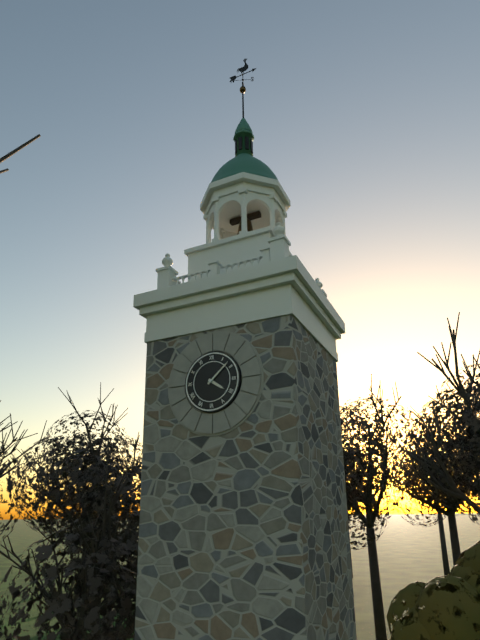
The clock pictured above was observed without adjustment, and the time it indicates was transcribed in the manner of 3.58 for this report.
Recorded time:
4.08
